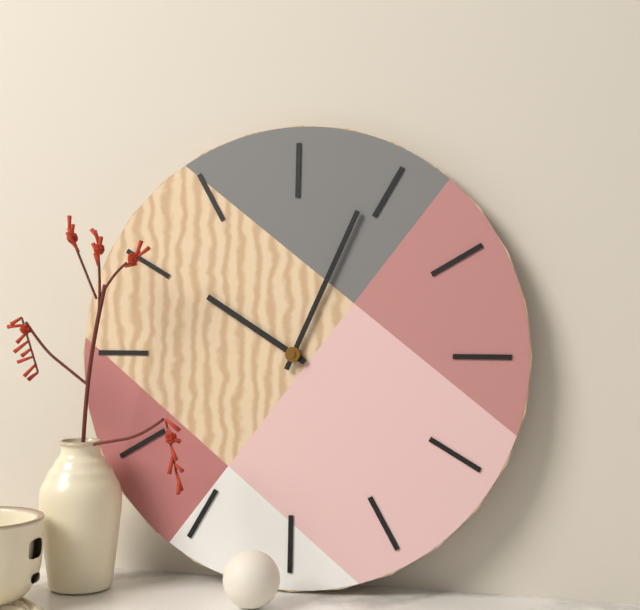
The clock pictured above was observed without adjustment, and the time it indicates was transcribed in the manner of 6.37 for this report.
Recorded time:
10.04
